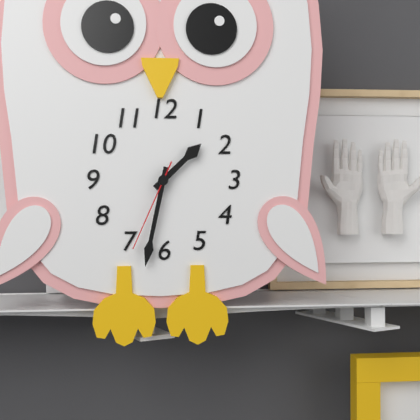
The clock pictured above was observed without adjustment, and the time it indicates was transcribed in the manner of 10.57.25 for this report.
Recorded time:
1.32.34
